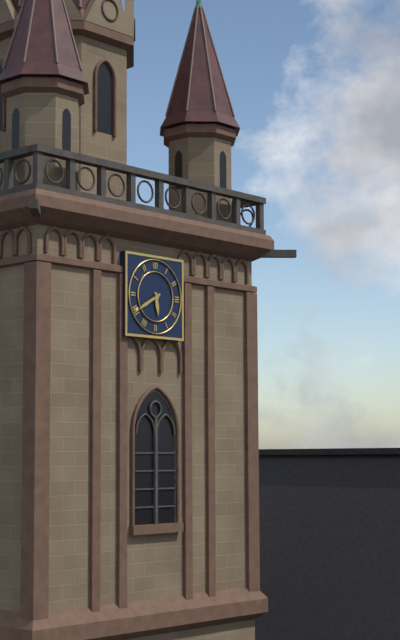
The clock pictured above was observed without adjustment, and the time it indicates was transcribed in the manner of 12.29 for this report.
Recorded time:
5.40
